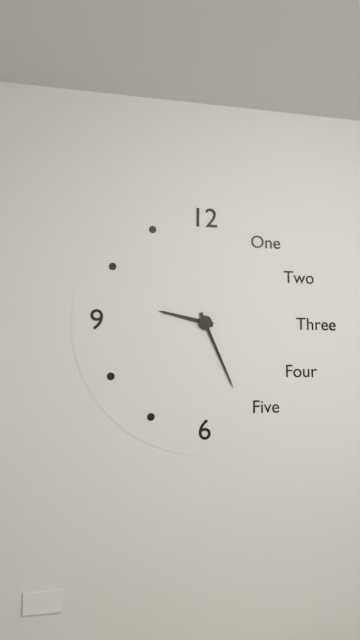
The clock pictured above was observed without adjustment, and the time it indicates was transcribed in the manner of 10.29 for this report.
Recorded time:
9.26
